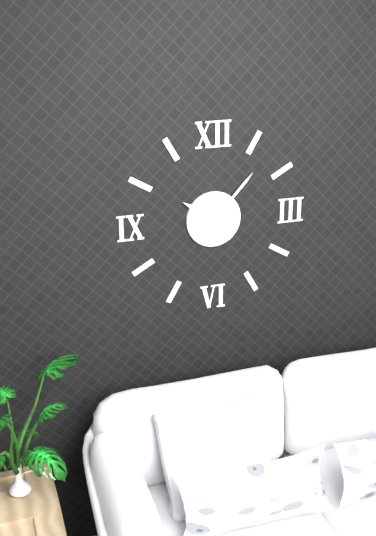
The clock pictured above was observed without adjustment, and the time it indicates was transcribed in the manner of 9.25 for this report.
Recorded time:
10.07
